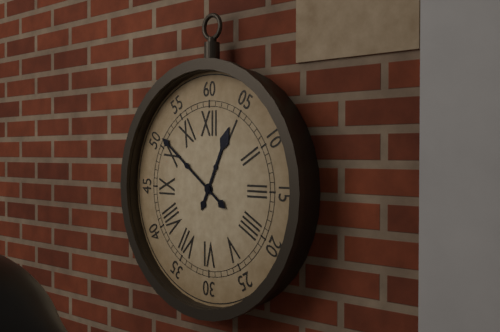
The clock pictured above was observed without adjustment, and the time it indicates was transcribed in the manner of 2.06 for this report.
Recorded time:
12.51
